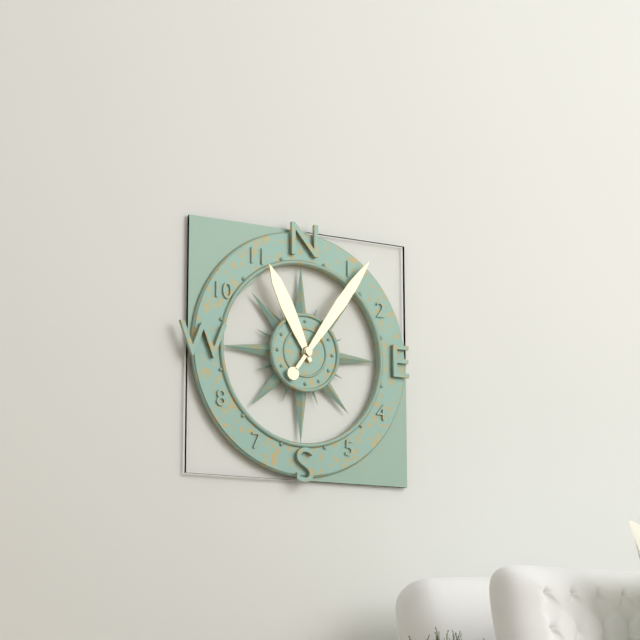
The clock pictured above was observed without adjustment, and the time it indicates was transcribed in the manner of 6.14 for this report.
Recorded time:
11.06
